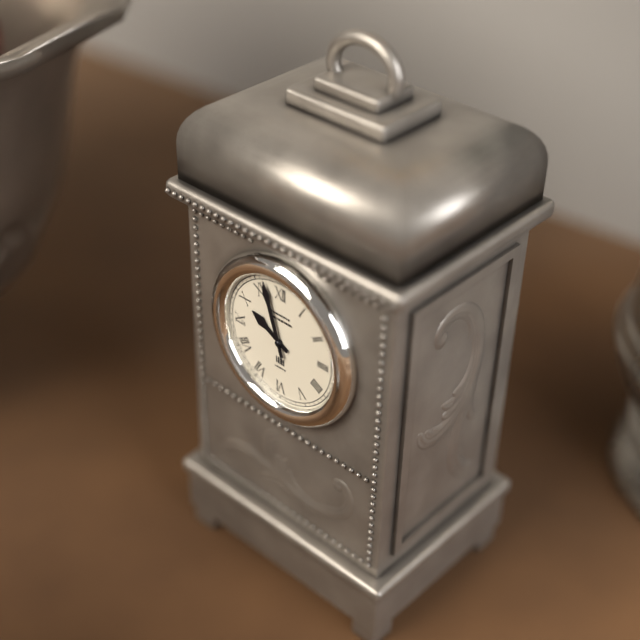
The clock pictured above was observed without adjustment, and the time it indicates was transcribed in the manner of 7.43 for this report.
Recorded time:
9.57
